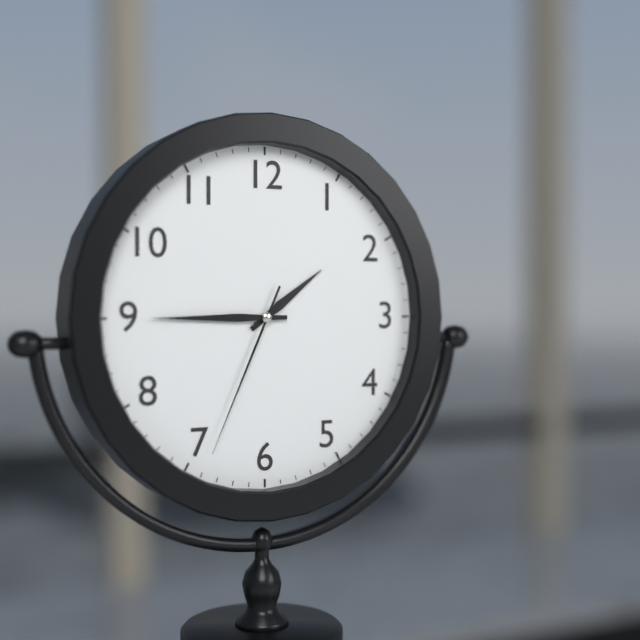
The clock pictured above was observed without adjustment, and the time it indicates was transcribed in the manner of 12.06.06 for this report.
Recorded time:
1.45.34
